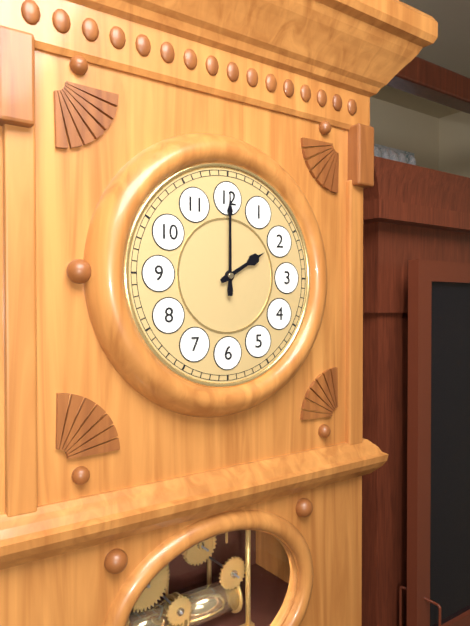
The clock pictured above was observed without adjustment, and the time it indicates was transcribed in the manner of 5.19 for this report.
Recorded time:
2.00
